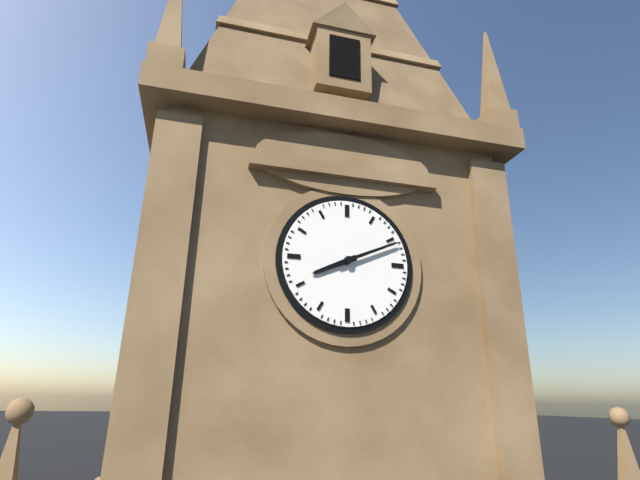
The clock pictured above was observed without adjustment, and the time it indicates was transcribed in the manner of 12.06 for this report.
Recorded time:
8.11
